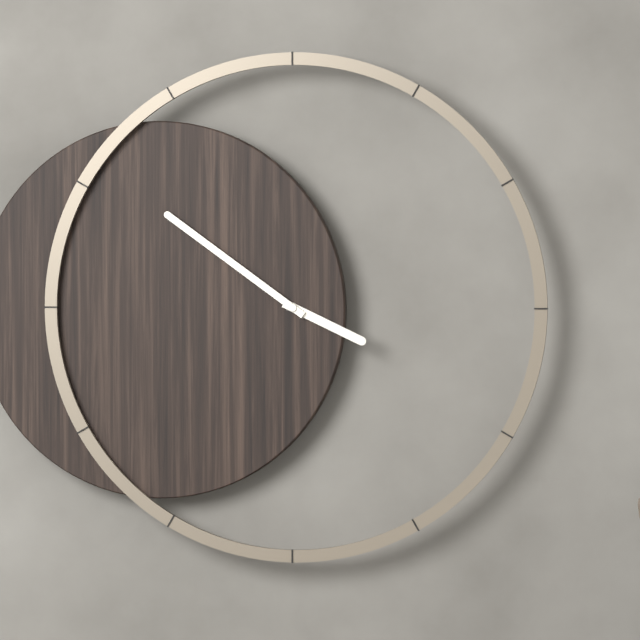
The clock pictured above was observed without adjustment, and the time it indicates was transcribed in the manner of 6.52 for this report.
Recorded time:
3.51
